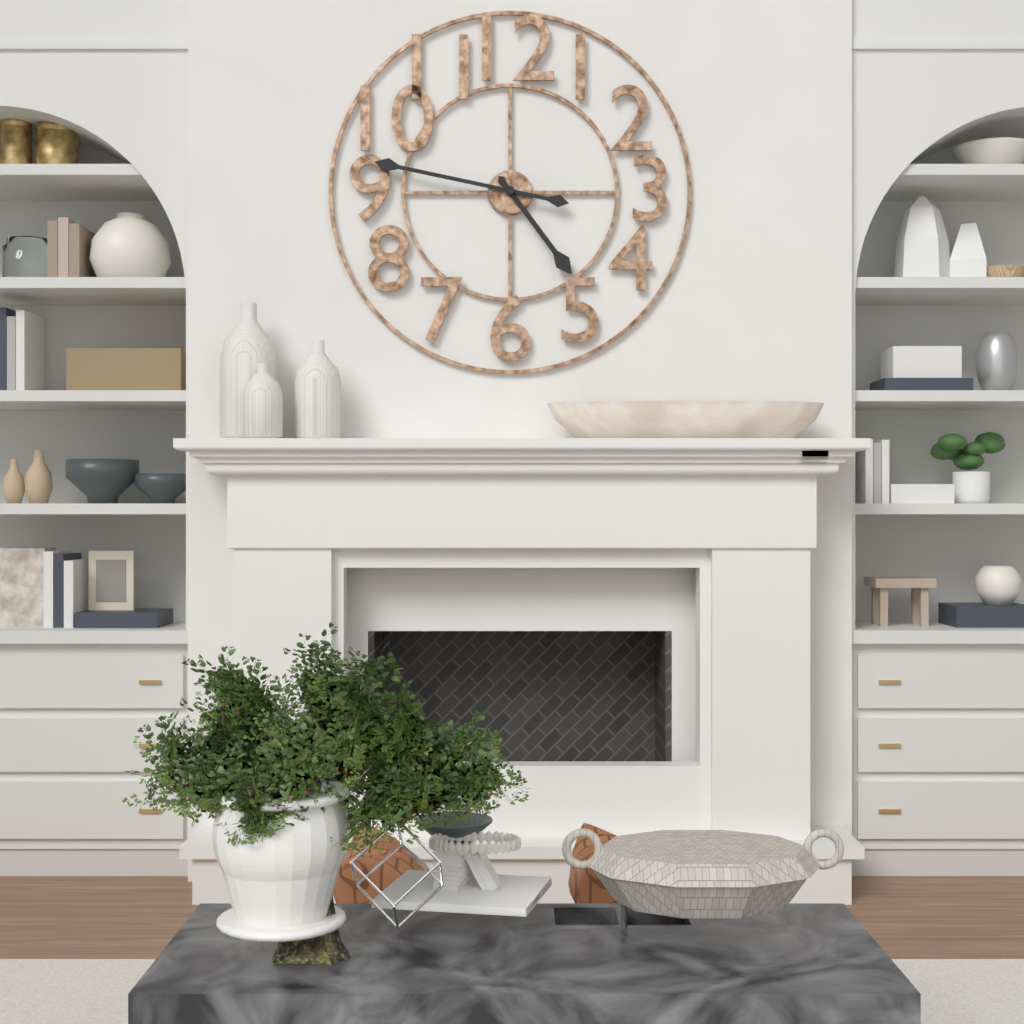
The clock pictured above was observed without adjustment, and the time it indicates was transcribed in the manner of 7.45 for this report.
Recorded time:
4.47
